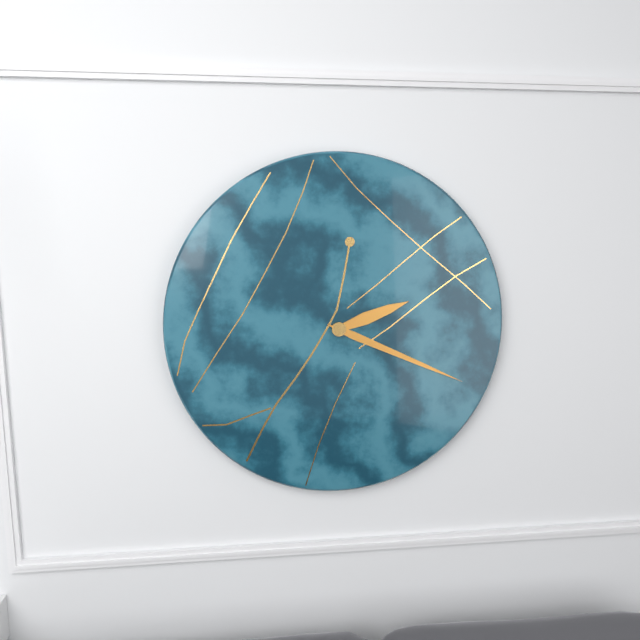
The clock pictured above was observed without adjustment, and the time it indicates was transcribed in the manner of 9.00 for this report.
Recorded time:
2.19
